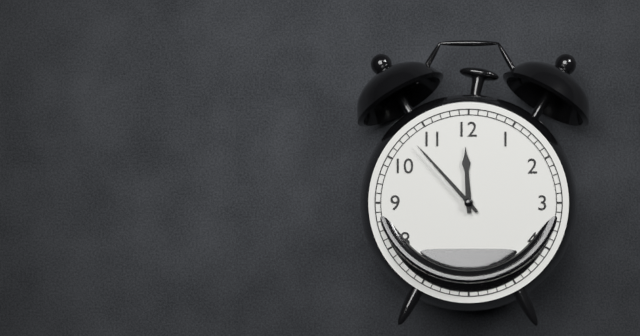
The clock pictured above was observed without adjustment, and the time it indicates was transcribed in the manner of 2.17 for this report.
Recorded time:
11.53
